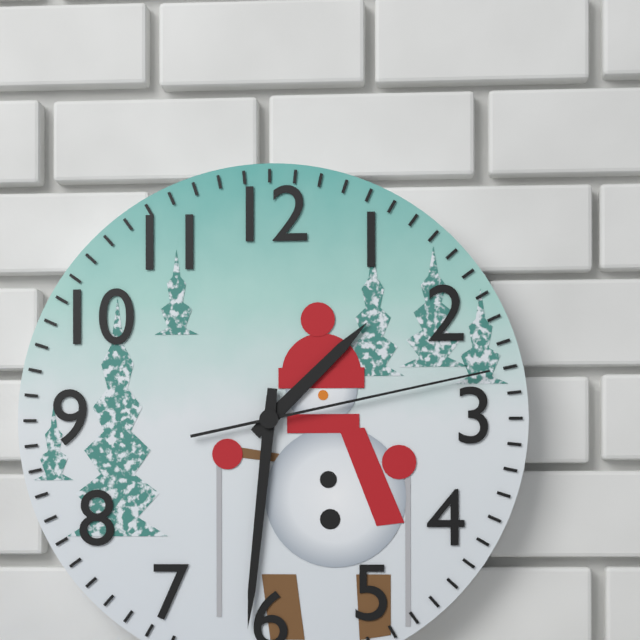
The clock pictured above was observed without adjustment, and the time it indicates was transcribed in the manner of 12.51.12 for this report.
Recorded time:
1.31.13
